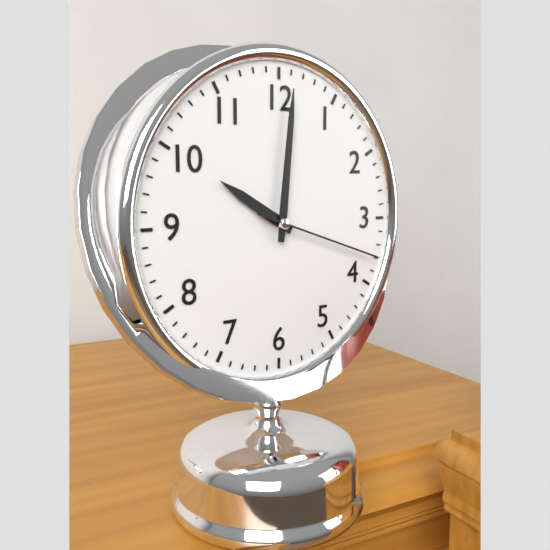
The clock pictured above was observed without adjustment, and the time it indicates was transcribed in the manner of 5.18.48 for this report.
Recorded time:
10.01.18
